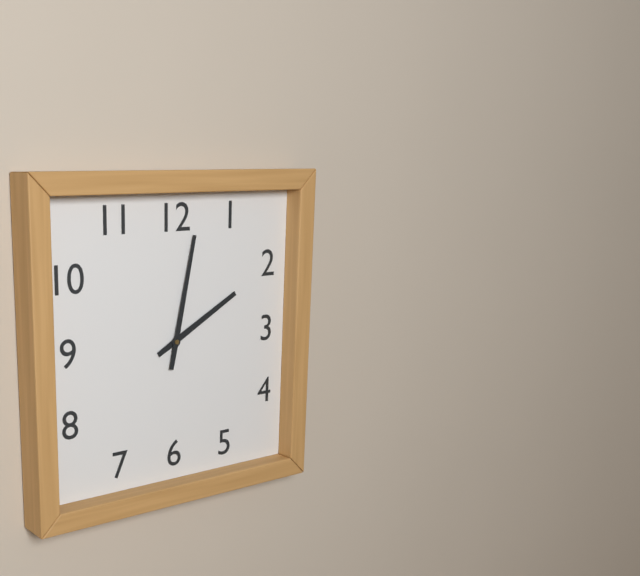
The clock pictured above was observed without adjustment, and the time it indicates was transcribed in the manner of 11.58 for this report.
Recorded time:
2.02
